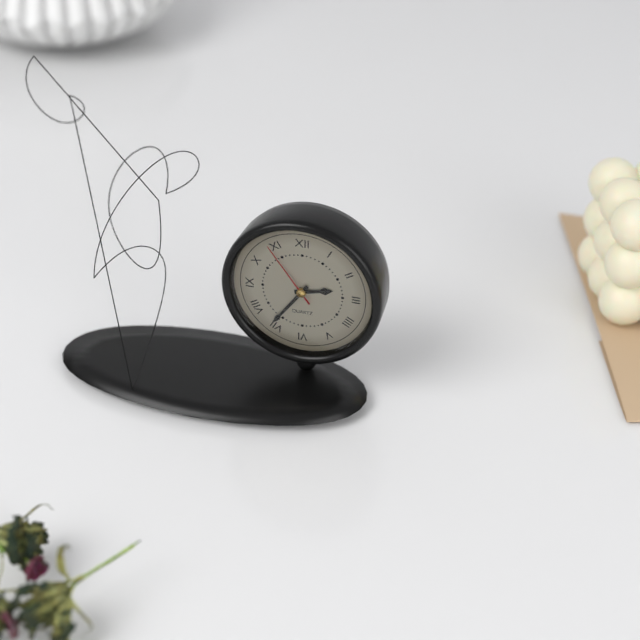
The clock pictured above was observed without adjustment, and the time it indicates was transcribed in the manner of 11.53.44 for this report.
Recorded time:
2.36.54
